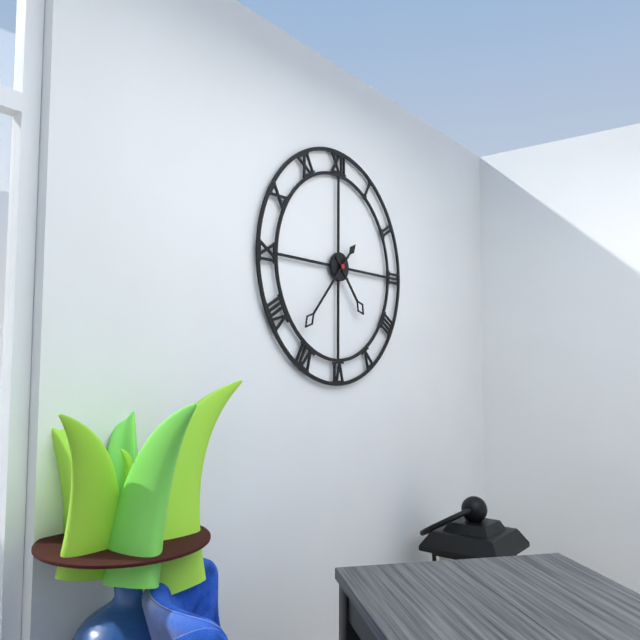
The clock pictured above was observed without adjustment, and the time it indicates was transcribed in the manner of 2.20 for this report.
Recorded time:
4.37
